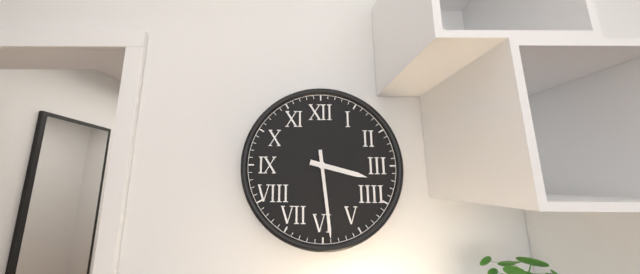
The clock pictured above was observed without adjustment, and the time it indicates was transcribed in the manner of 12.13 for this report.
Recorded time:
3.29
